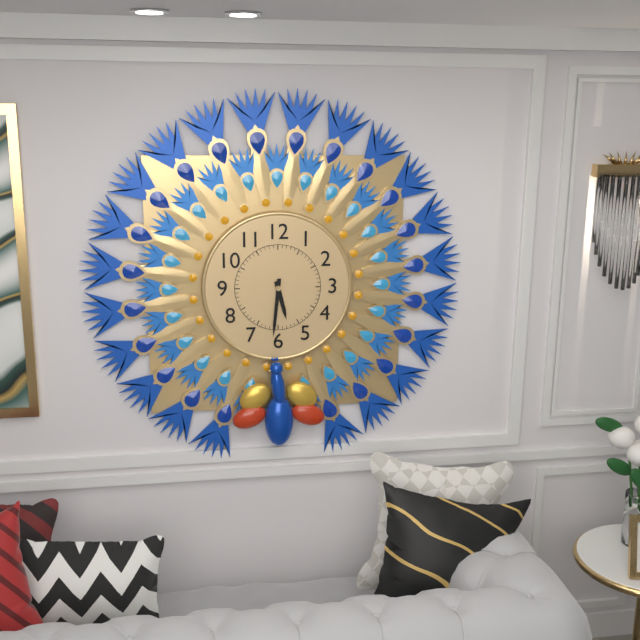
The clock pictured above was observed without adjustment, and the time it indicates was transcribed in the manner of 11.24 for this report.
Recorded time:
5.31
